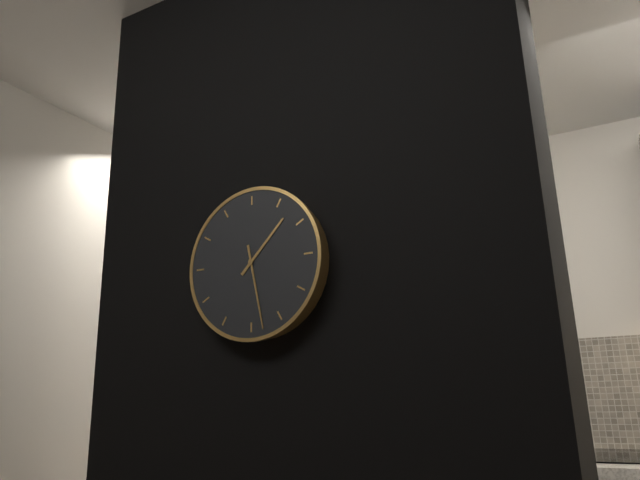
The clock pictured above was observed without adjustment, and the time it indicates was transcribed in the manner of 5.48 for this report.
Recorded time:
1.28
